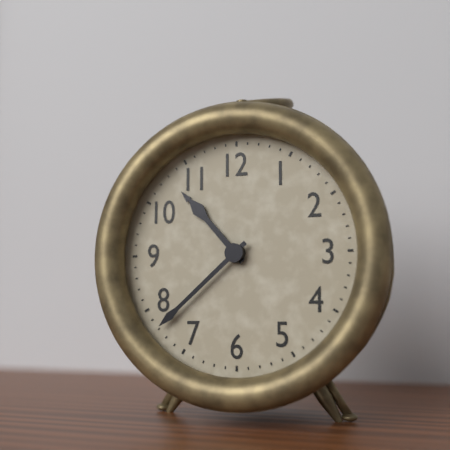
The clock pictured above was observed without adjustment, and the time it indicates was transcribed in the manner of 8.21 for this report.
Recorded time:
10.38
